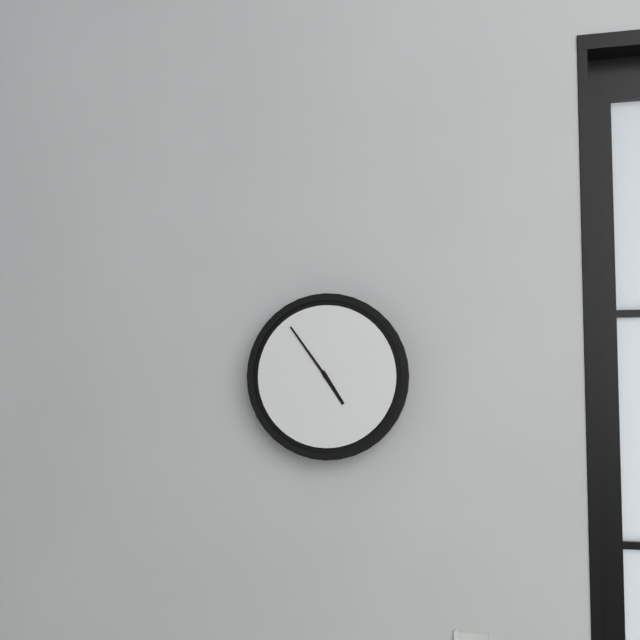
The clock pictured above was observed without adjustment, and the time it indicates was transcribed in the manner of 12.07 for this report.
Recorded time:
4.54
